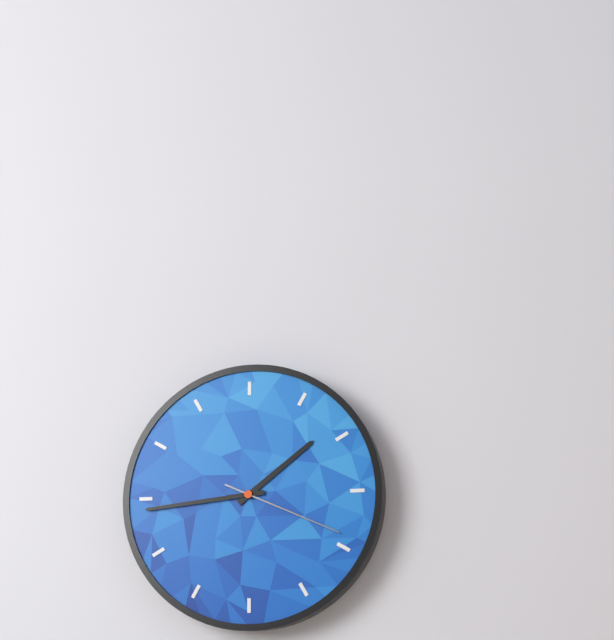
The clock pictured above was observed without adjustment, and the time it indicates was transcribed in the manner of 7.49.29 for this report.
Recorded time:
1.44.19
